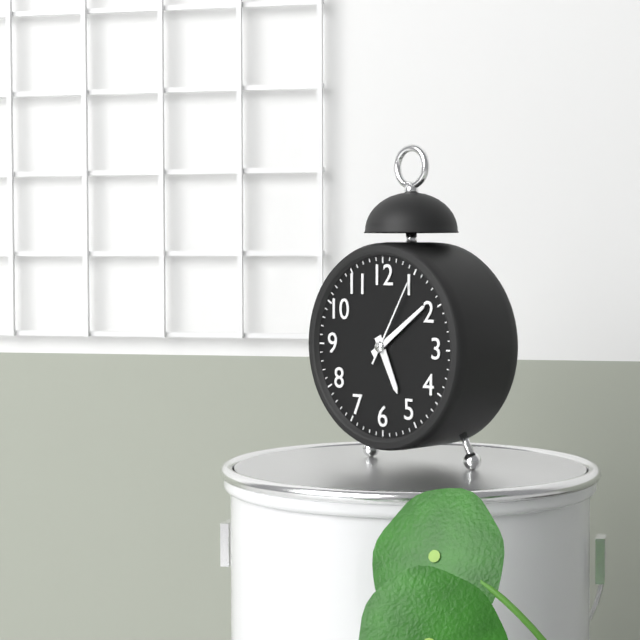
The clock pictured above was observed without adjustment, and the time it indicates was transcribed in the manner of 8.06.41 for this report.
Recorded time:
5.09.05
